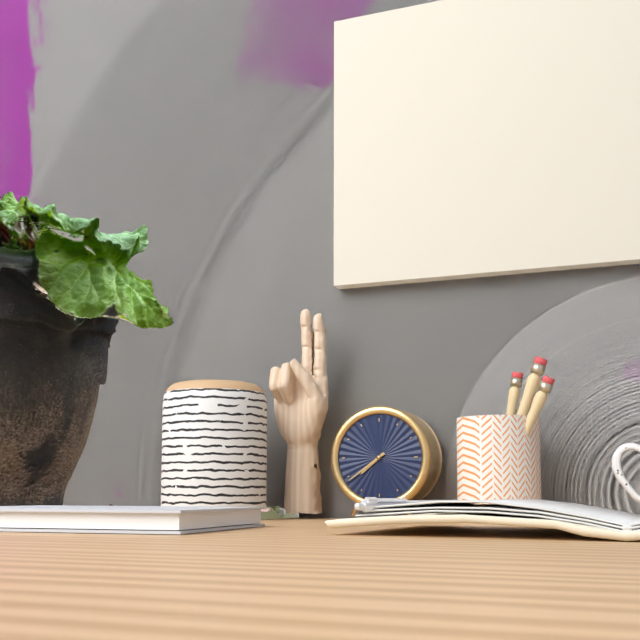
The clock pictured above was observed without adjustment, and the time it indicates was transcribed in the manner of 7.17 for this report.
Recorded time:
7.39
